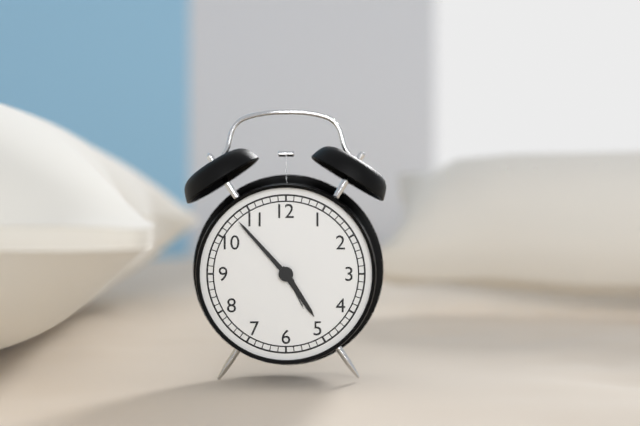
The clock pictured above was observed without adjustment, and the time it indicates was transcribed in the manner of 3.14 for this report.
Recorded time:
4.53
